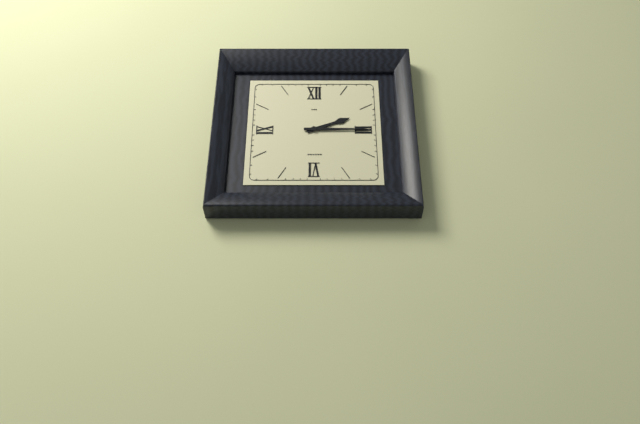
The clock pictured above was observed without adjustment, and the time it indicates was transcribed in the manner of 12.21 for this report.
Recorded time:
2.15
